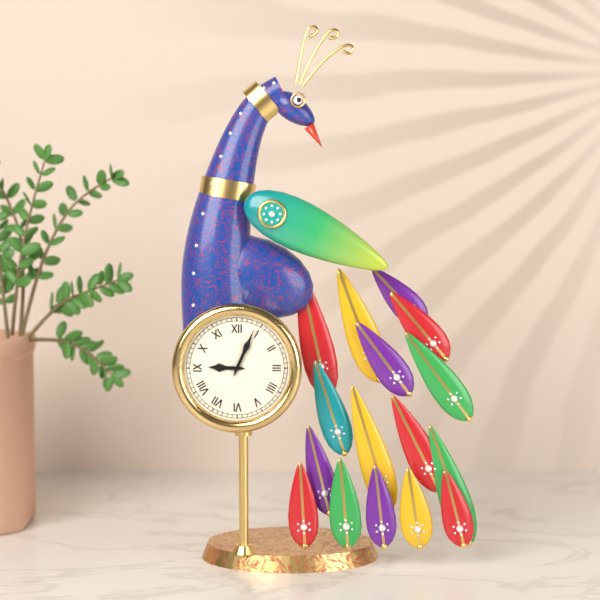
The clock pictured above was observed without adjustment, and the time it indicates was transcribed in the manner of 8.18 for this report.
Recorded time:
9.04
